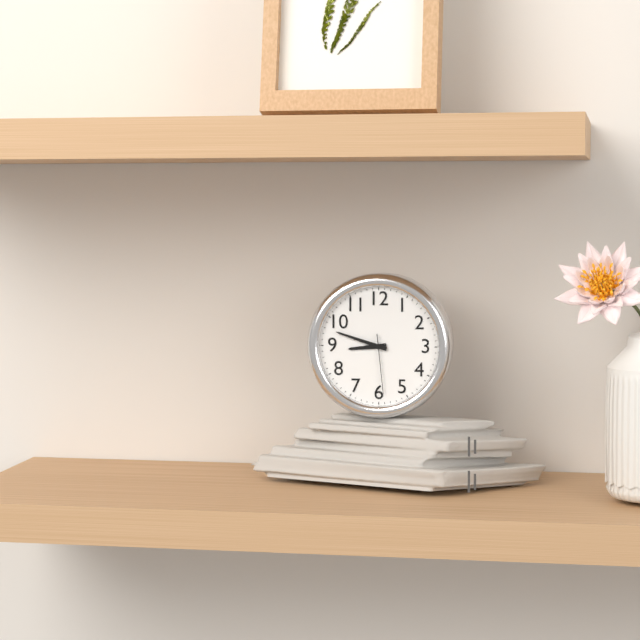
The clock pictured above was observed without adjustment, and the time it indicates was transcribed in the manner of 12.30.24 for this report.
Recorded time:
8.48.29
